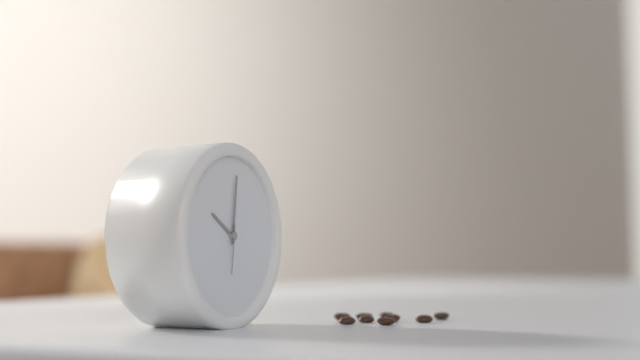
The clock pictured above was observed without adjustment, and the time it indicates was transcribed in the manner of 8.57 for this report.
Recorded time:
10.01
